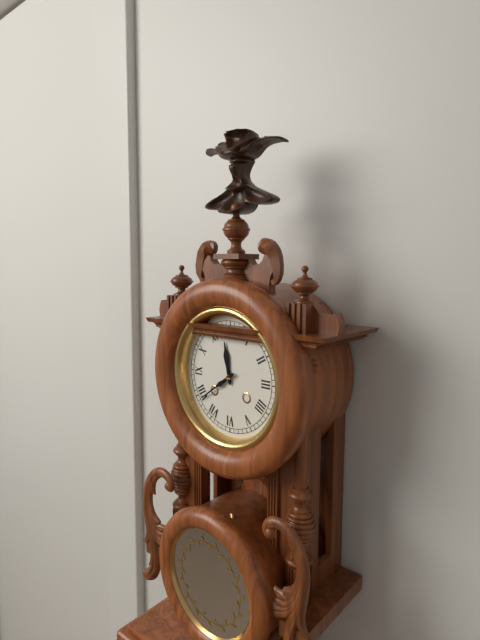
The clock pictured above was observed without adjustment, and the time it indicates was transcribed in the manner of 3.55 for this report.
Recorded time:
11.39
